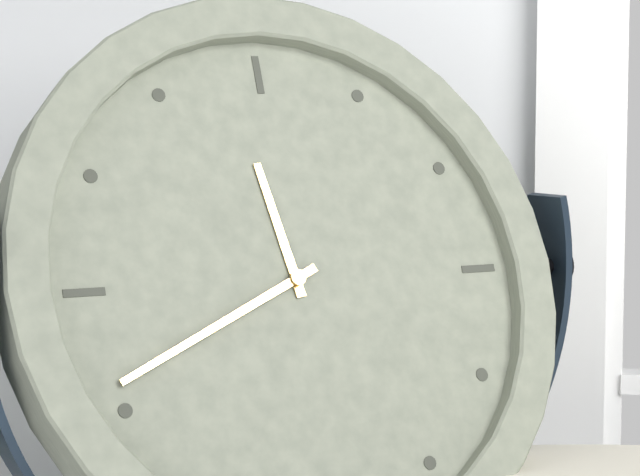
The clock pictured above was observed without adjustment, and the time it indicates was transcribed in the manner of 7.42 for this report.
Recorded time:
11.41
